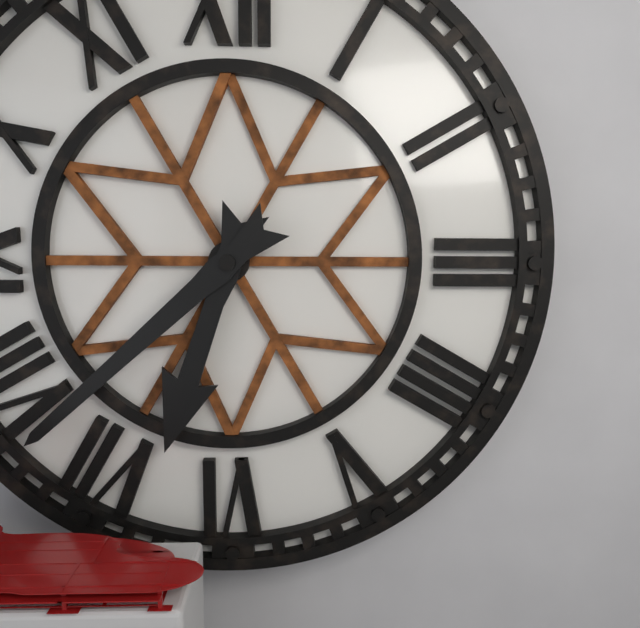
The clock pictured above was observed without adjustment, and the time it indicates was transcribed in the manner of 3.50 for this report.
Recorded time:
6.38
